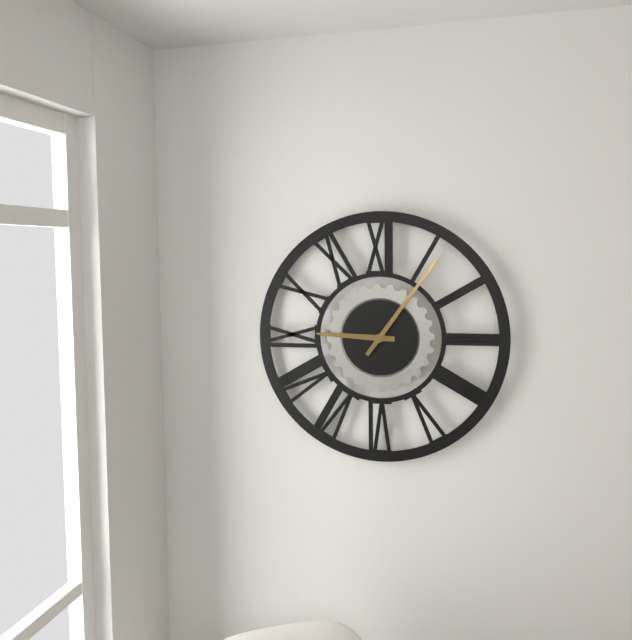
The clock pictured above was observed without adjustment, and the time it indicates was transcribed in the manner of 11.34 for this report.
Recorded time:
9.06
